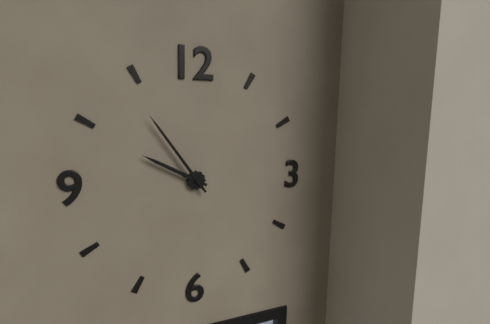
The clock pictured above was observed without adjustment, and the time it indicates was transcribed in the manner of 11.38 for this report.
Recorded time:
9.54
